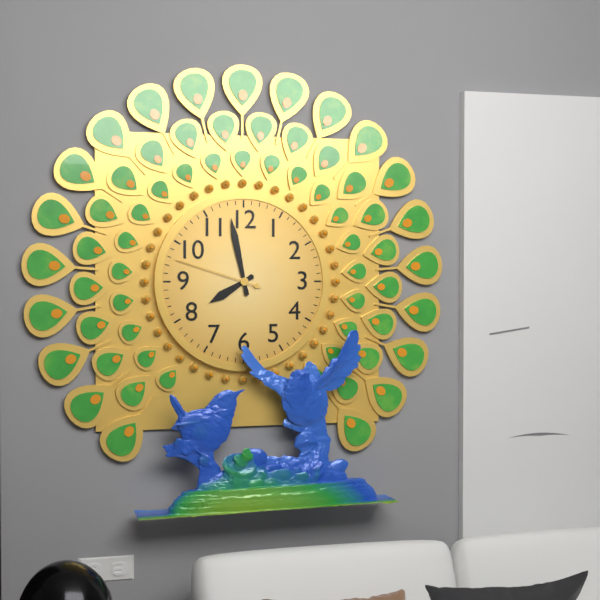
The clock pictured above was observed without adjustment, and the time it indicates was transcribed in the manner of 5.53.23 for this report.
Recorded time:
7.58.48
